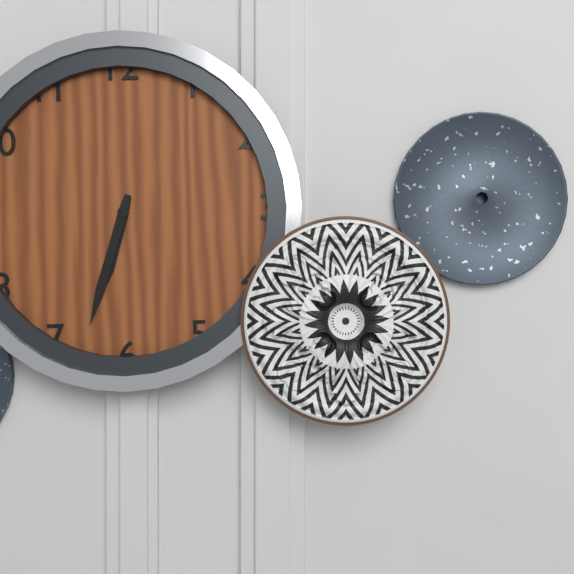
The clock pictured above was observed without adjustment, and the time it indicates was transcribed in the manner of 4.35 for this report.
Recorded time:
6.33
